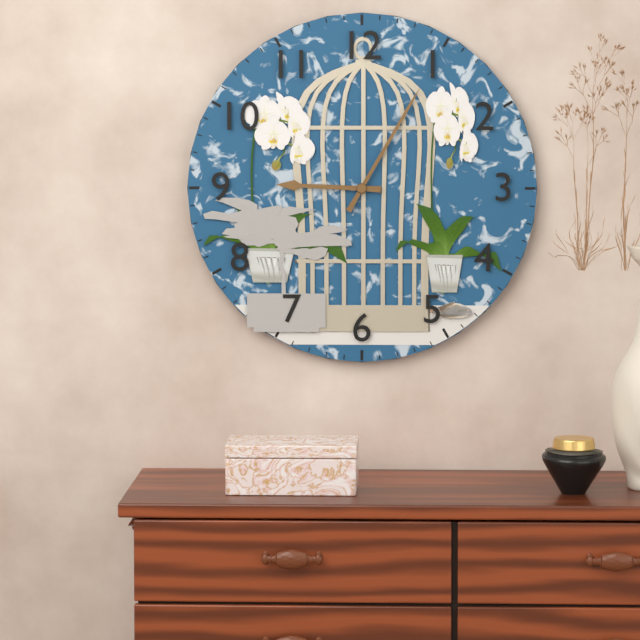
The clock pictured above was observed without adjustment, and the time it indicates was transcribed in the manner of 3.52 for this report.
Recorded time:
9.05
